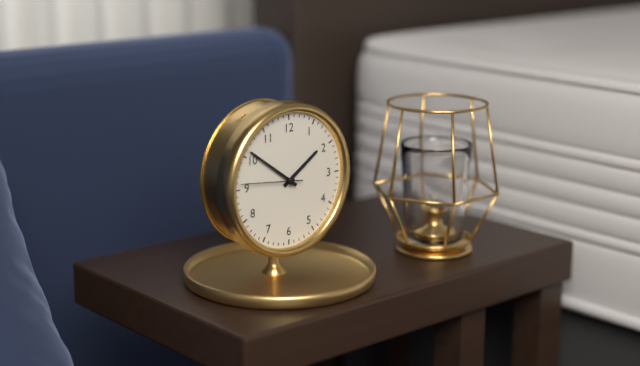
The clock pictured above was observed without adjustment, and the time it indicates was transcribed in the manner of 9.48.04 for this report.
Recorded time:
1.51.46
